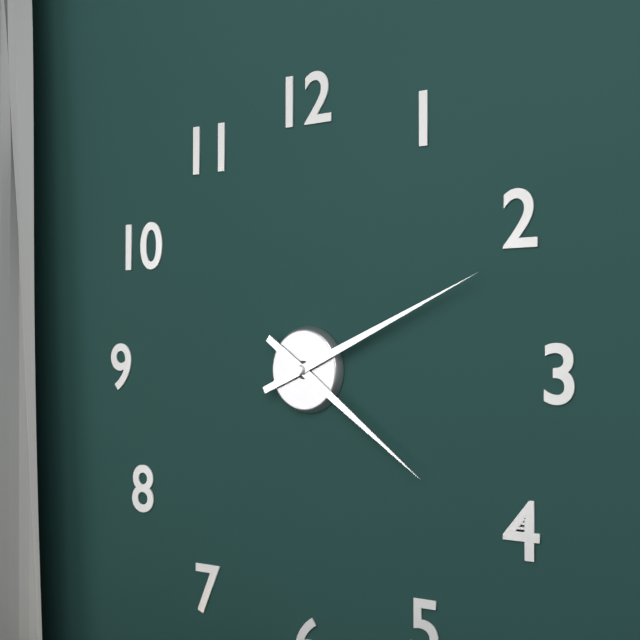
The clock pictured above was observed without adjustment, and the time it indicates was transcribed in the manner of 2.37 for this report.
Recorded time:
4.11
